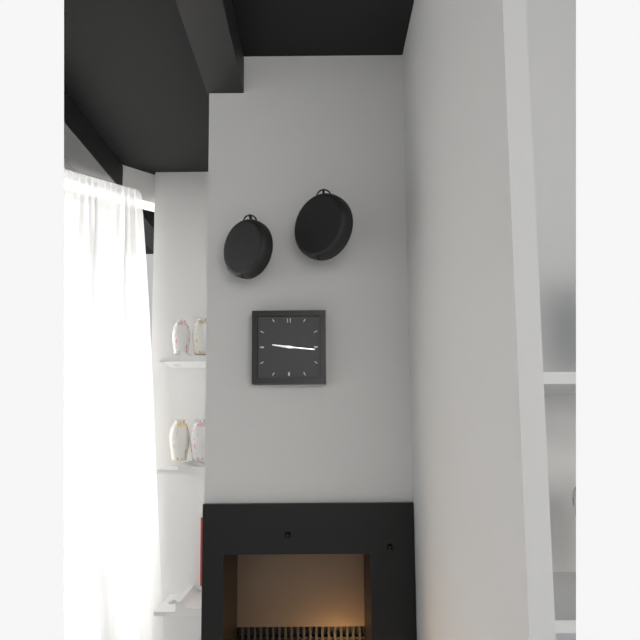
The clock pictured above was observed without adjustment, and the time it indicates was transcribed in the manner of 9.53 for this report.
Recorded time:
9.16
